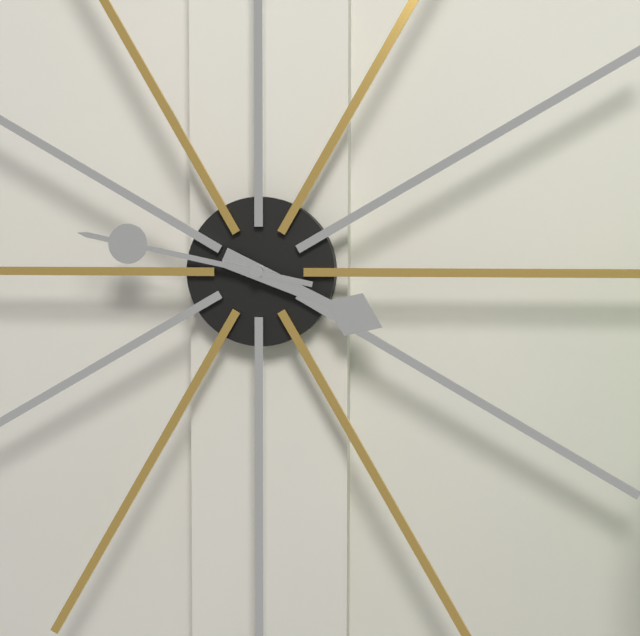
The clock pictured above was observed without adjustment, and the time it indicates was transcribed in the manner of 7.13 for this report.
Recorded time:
3.47
